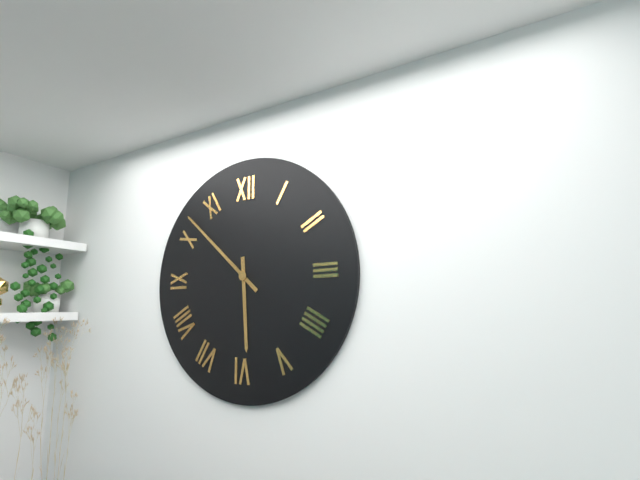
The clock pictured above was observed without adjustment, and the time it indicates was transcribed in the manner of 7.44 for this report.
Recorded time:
5.52
